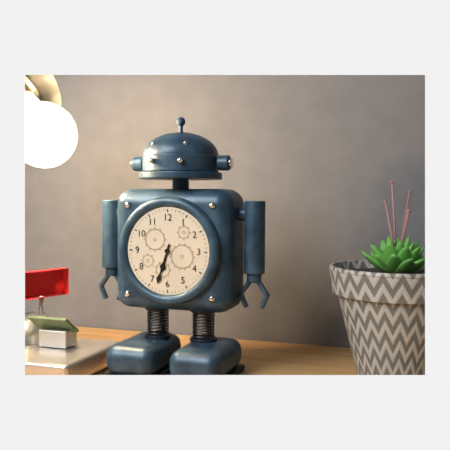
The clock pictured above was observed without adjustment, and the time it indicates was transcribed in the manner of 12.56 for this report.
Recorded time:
6.33
